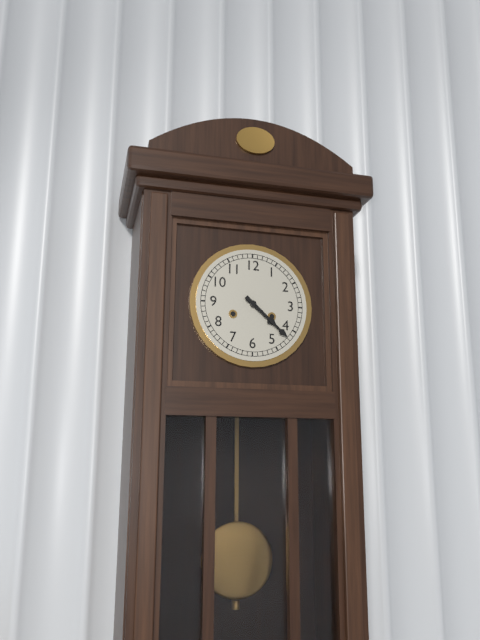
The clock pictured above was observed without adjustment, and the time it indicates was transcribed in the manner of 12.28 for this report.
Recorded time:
4.22
